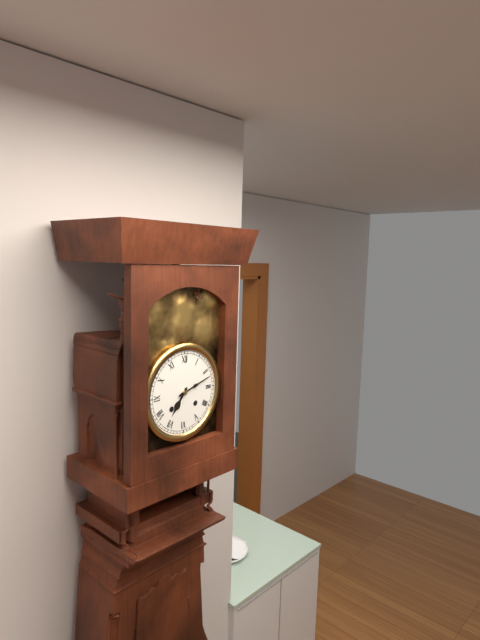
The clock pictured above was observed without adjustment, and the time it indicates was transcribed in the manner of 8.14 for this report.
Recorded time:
7.12
